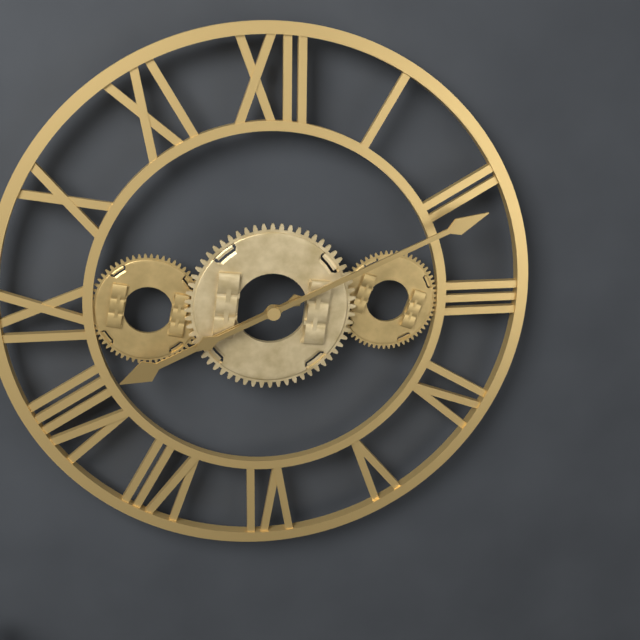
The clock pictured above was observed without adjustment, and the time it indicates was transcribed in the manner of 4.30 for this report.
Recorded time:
8.11
